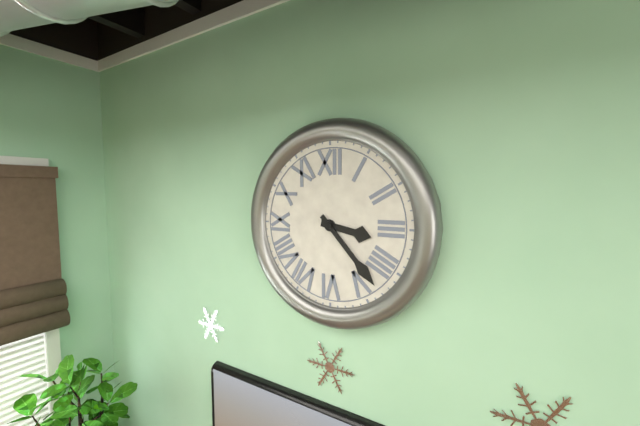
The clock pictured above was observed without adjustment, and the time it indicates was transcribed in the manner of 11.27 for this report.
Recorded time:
3.23
